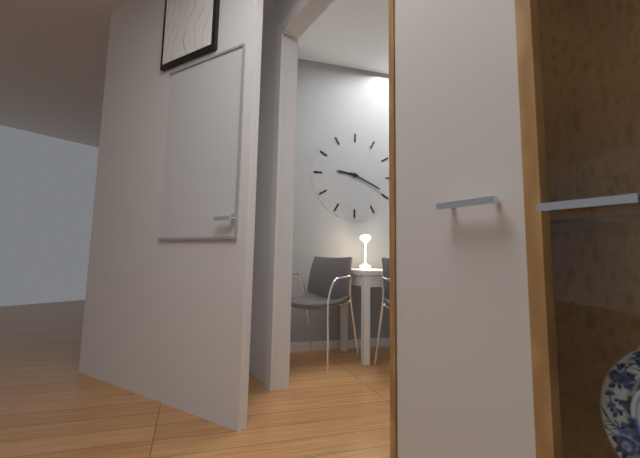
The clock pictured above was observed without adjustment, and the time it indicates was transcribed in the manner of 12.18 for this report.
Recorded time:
9.19
